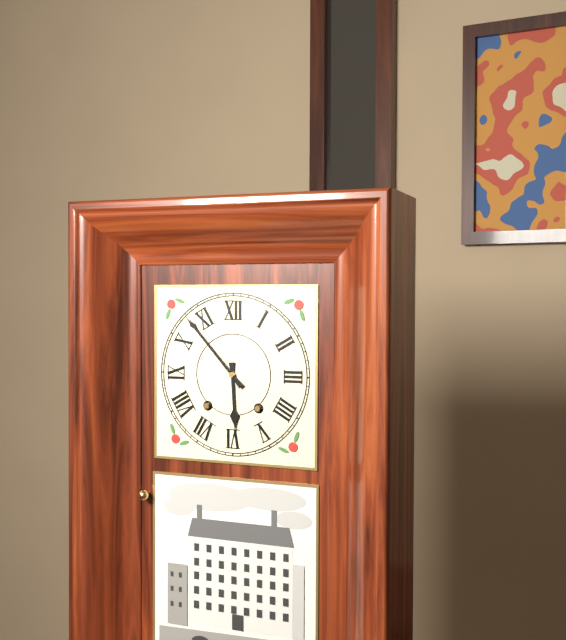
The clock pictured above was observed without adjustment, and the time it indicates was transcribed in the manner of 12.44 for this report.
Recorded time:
5.53
